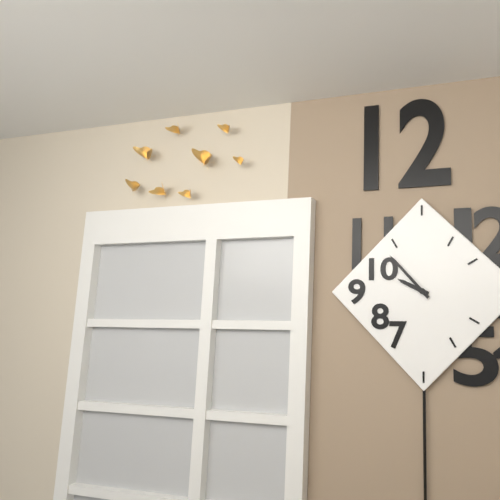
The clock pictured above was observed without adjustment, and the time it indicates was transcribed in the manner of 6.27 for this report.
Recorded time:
9.53
